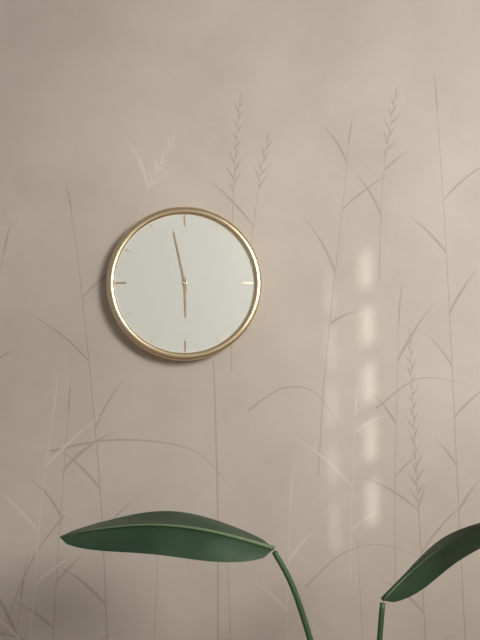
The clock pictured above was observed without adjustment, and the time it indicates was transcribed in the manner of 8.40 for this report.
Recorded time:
5.58
